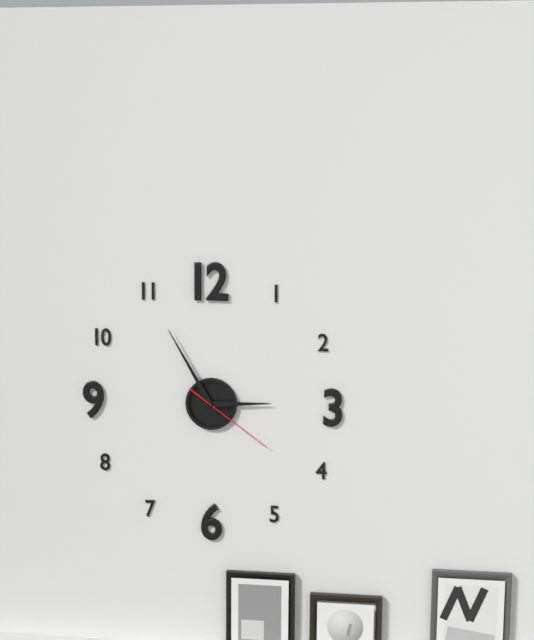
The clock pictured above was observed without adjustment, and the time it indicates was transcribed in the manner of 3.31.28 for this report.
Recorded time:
2.55.21
